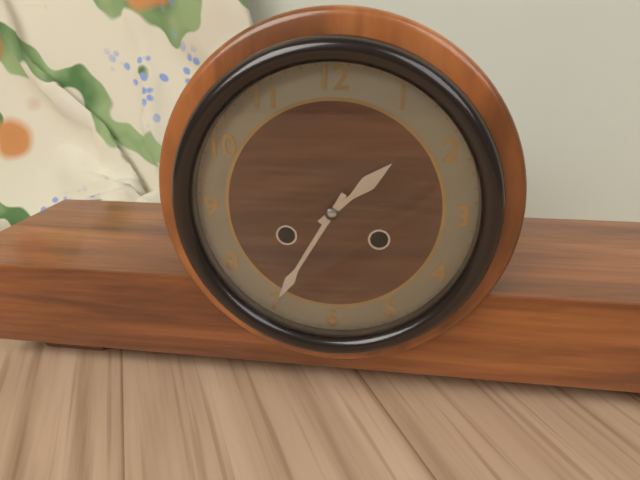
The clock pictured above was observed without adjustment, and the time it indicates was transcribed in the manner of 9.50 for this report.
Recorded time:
1.35
